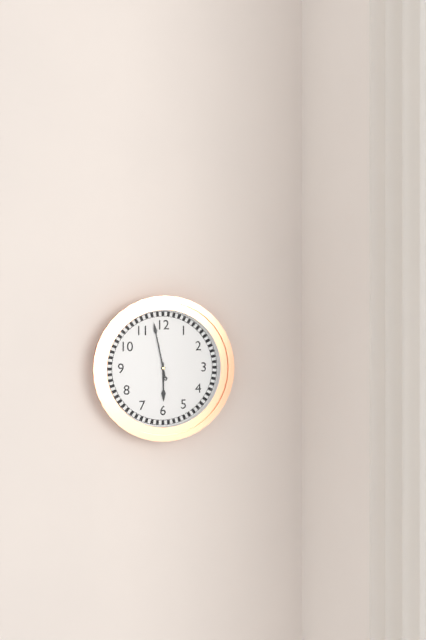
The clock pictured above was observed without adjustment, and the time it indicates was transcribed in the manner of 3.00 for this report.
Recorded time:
5.58
